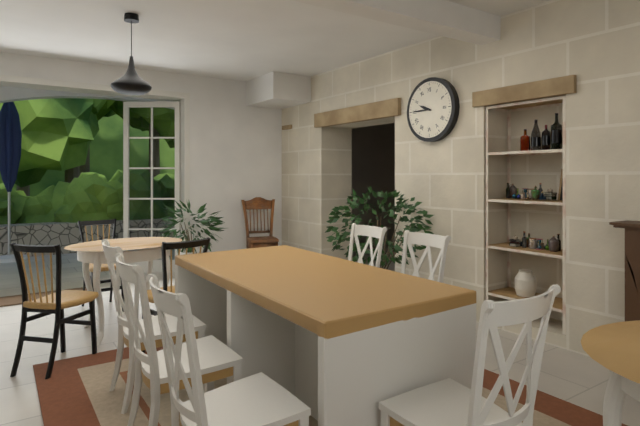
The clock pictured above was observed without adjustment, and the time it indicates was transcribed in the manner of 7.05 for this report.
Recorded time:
9.45
